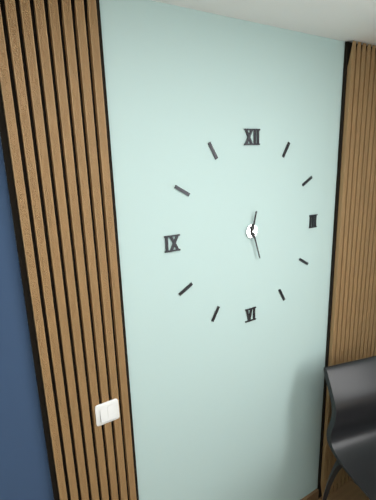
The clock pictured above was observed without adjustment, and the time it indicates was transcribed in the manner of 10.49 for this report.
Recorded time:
12.27
